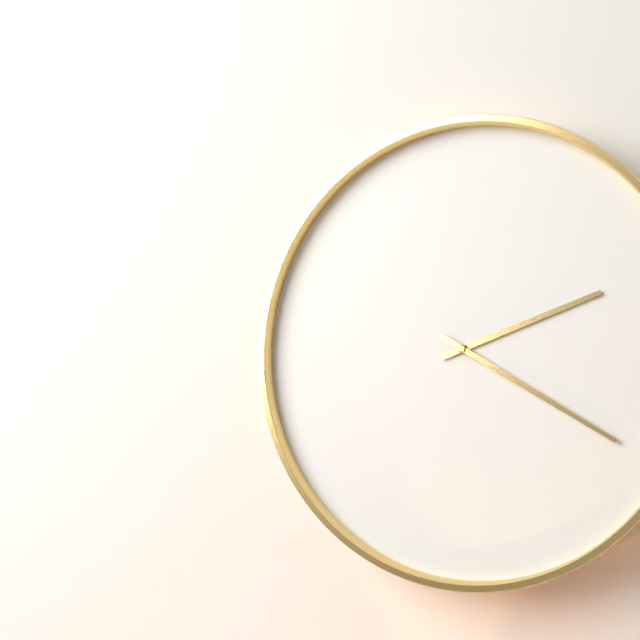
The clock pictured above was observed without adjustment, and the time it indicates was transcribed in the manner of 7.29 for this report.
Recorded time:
2.20
